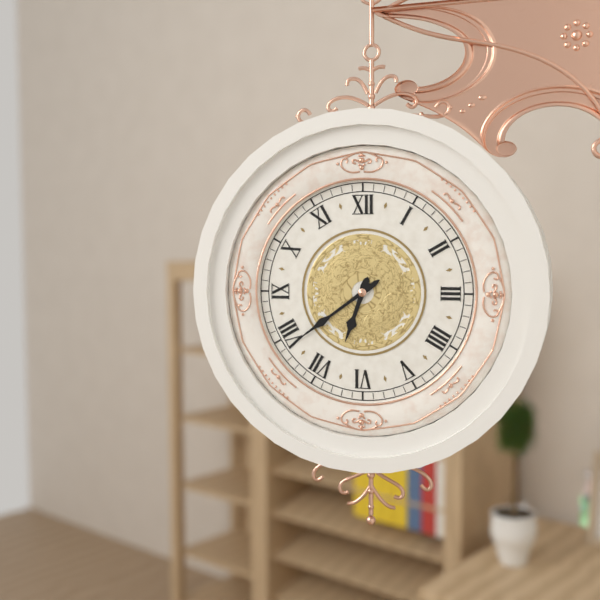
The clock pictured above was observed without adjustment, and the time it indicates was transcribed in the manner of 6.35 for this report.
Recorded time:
6.39
